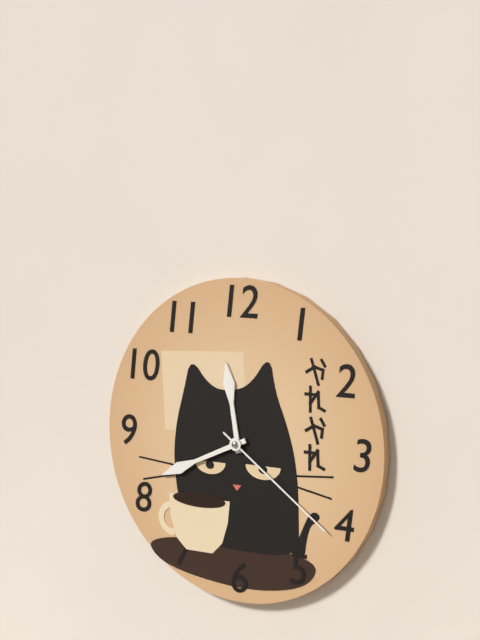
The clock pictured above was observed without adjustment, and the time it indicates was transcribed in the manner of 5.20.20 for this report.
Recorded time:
11.41.21
